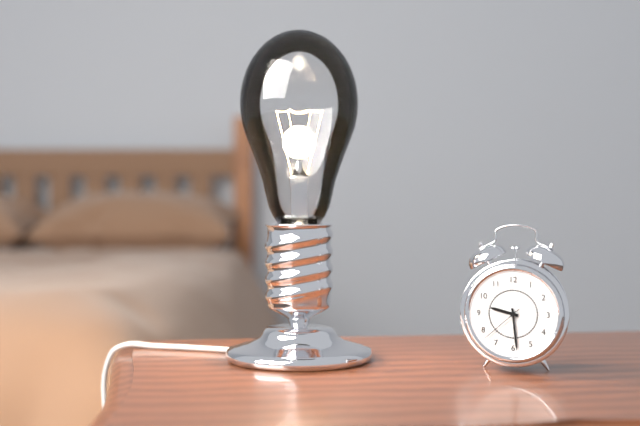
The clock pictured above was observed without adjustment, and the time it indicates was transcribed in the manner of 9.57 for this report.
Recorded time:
9.29
